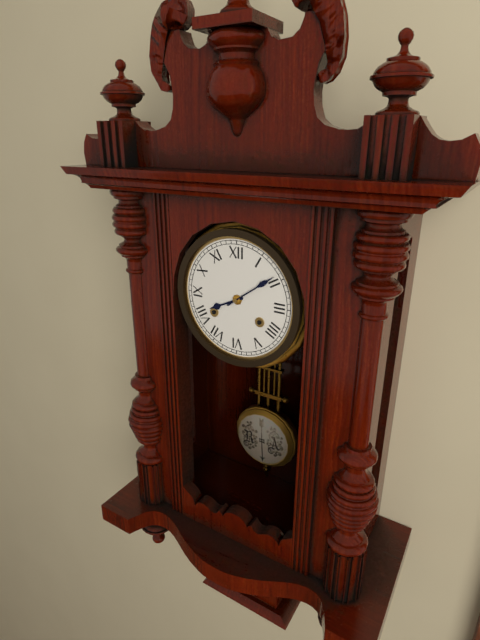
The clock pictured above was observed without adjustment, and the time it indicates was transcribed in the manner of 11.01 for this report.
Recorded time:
8.09
